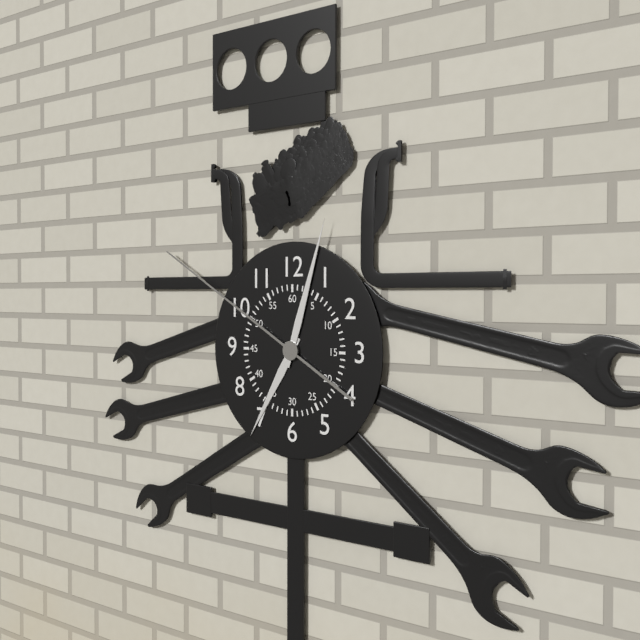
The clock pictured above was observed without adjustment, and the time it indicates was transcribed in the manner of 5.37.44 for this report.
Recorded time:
7.03.50
